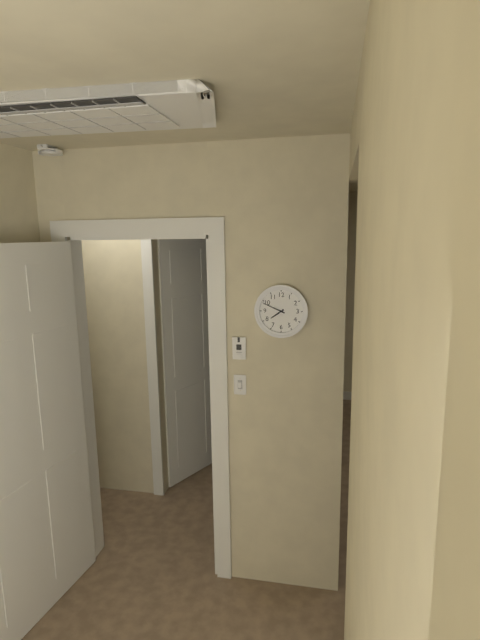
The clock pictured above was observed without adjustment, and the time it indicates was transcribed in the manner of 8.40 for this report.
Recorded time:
7.49
